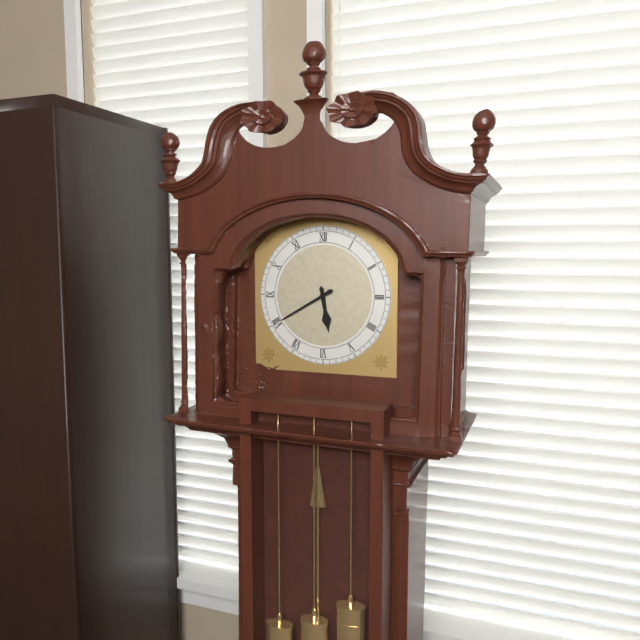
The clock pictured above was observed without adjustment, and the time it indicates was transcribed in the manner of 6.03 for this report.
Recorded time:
5.40
